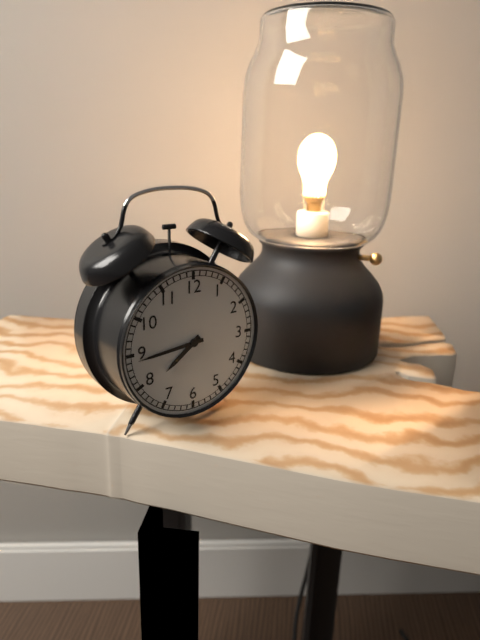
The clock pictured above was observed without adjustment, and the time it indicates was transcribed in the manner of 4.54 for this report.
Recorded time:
7.44
